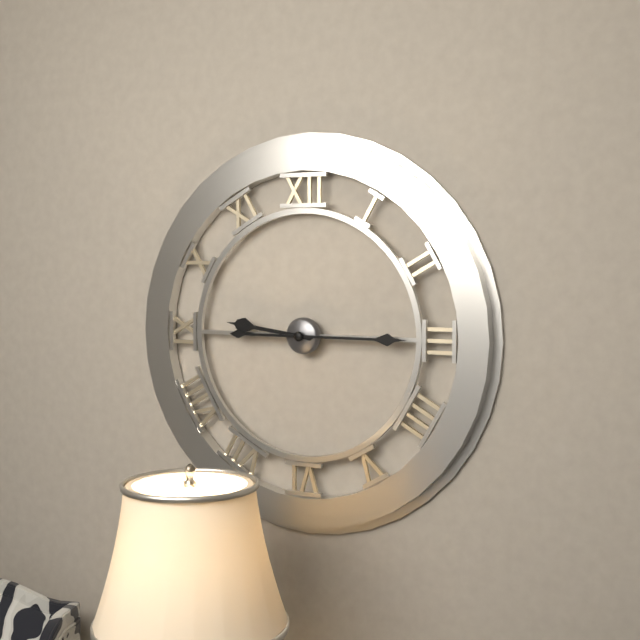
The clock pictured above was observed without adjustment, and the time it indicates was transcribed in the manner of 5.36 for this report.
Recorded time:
9.15
